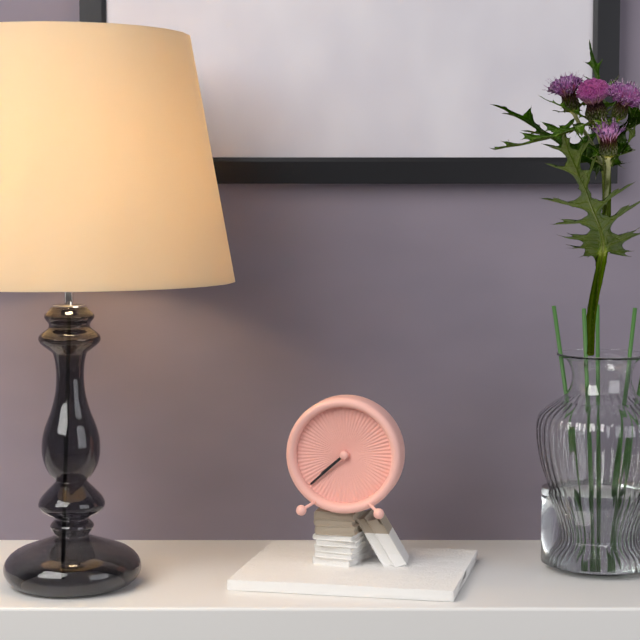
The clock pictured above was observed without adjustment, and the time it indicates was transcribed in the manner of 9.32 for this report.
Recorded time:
7.38
